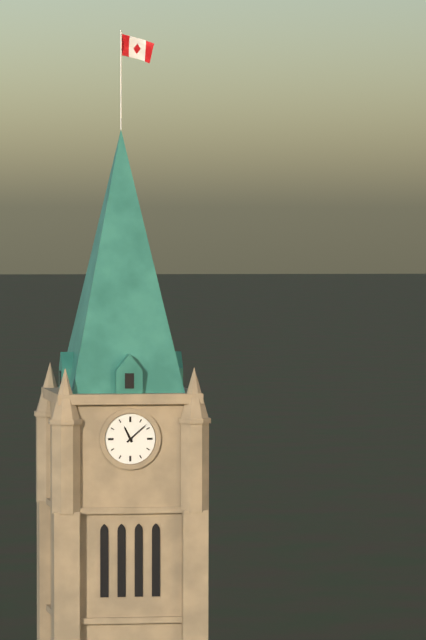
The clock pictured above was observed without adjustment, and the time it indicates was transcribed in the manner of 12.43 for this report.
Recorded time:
11.08
